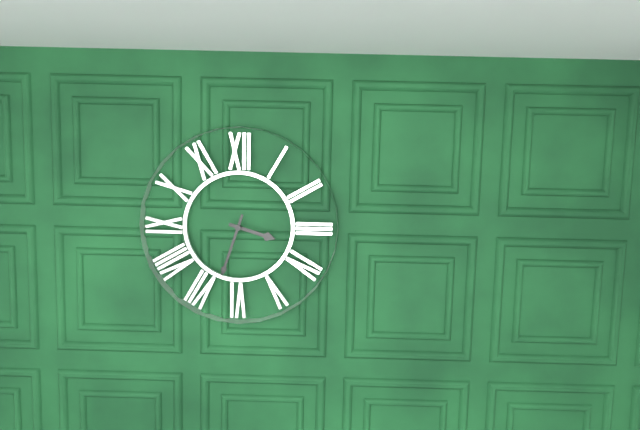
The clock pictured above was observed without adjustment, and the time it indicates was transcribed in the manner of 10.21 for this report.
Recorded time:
3.33
